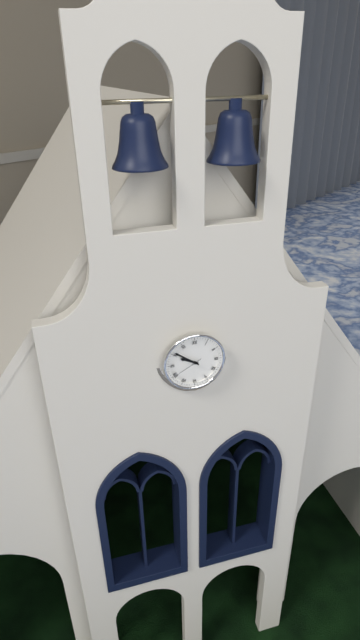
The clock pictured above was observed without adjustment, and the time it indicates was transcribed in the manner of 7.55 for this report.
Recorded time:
9.51
